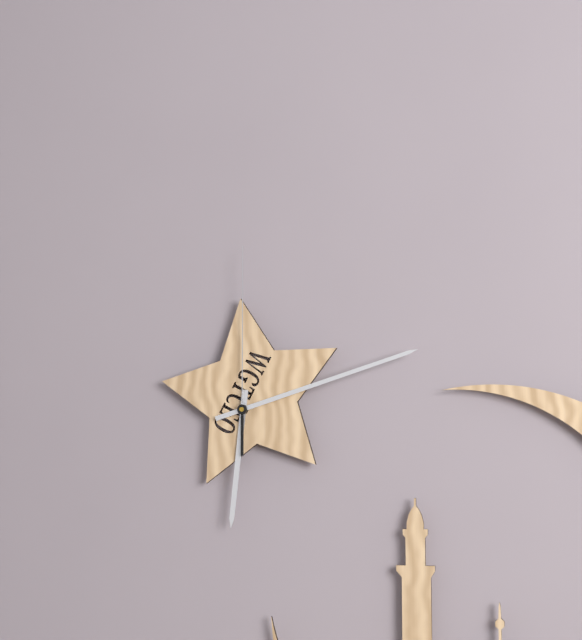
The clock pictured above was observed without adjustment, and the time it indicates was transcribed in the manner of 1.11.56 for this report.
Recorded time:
6.12.00
